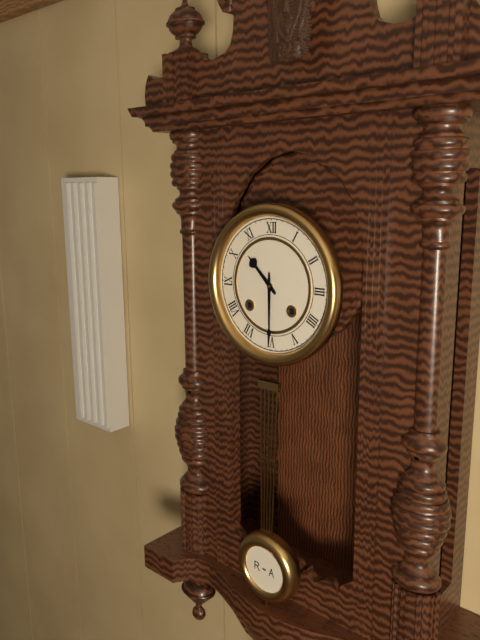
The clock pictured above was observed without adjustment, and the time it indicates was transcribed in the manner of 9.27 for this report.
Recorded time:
10.30
